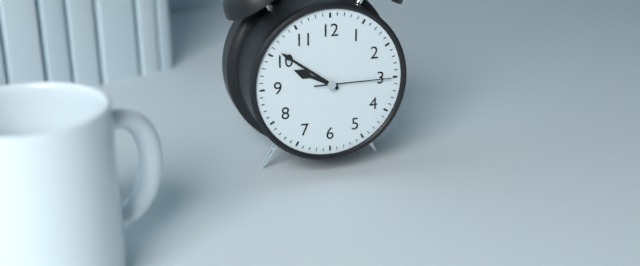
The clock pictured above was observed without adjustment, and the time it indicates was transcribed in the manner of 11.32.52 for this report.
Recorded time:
9.51.15
